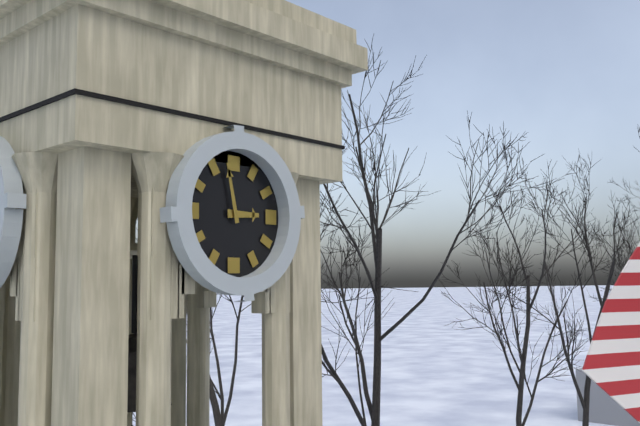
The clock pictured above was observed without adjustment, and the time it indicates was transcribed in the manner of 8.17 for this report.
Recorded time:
2.58
